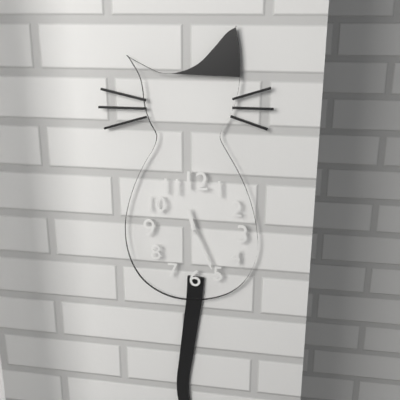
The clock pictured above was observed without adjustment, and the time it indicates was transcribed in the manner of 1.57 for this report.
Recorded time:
11.26
